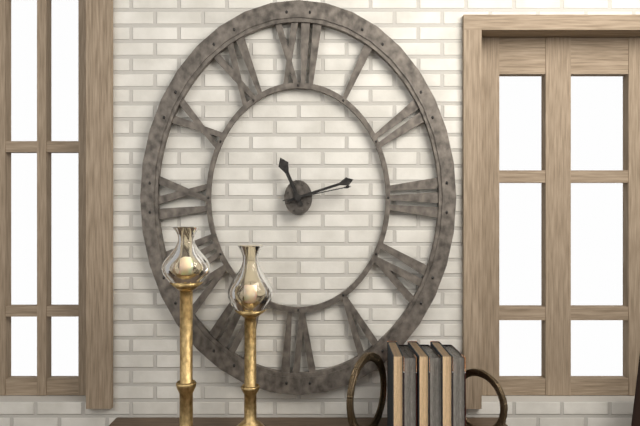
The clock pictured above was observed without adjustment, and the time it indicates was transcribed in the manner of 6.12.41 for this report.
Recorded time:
11.12.13
